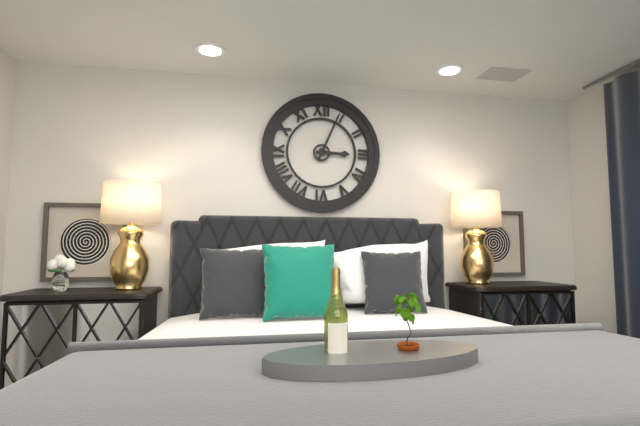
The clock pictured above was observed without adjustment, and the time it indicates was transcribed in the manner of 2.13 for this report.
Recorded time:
3.04
